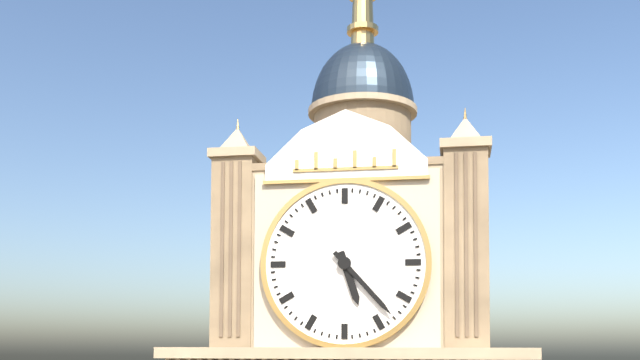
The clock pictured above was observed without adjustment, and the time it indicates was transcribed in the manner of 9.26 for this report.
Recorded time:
5.23
